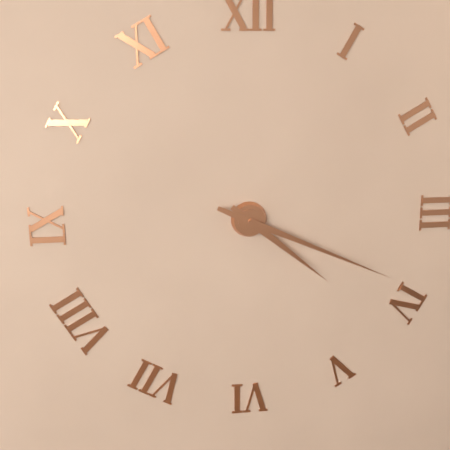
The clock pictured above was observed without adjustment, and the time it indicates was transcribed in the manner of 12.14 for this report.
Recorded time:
4.19
